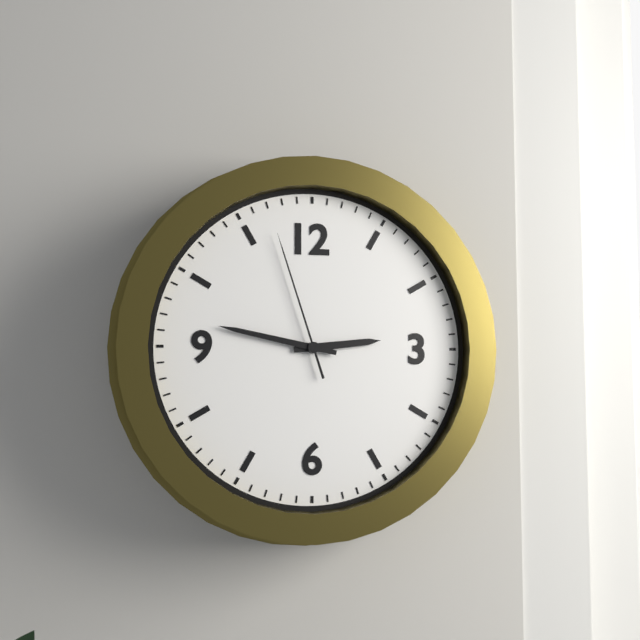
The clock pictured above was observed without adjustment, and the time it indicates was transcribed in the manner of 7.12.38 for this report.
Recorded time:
2.47.57
